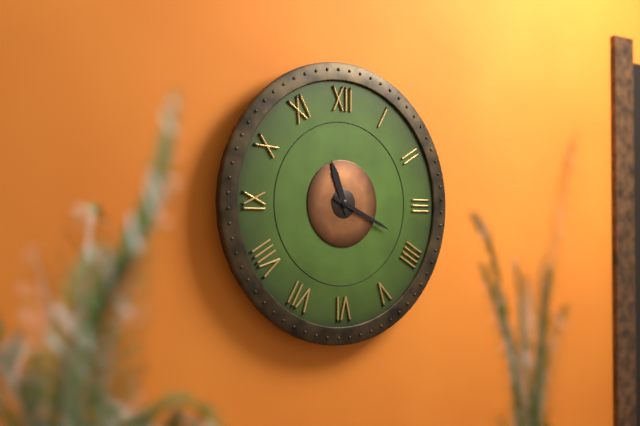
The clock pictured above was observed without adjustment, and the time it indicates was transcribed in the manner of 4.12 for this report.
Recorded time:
11.19
